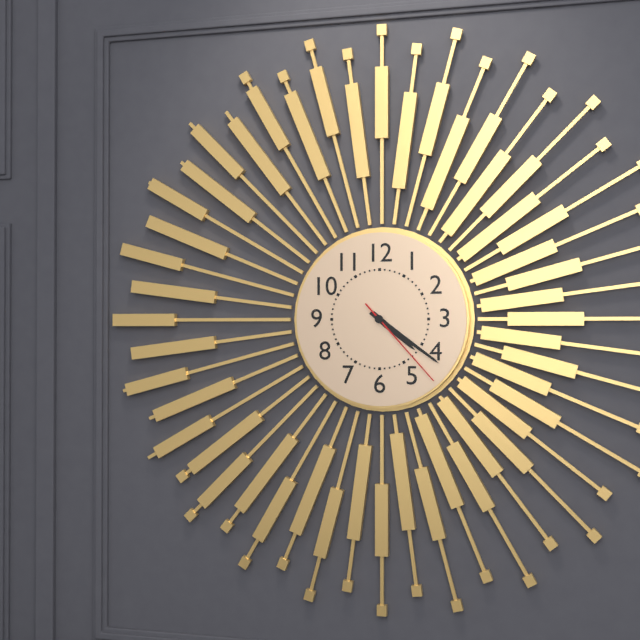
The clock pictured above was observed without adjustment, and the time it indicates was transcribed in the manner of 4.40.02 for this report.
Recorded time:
4.21.23
